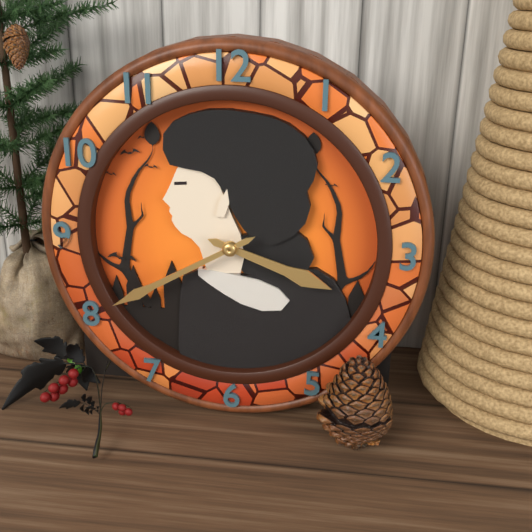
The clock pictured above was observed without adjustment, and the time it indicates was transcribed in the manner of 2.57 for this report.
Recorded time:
3.40
